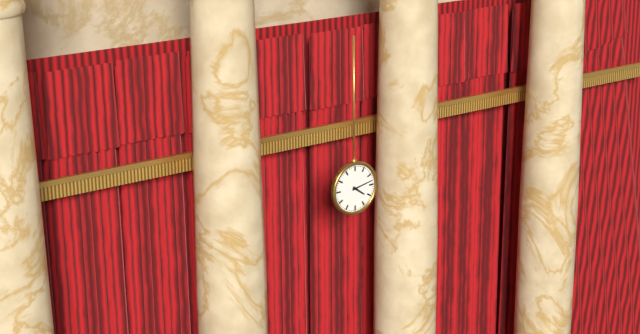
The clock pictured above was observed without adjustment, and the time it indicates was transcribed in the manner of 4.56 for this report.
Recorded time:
4.13
